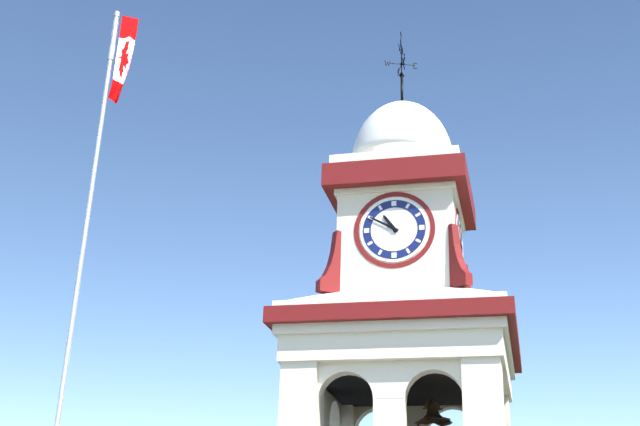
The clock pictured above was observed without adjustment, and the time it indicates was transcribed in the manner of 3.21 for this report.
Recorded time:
10.50
